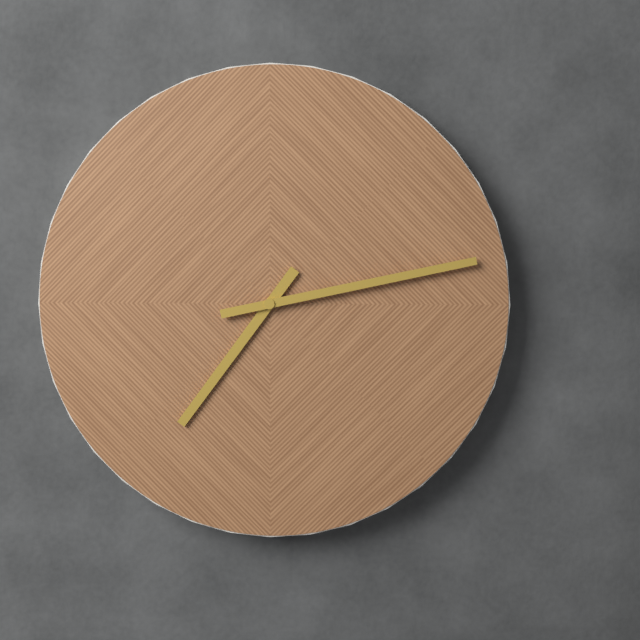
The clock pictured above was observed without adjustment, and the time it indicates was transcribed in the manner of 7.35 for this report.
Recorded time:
7.13
